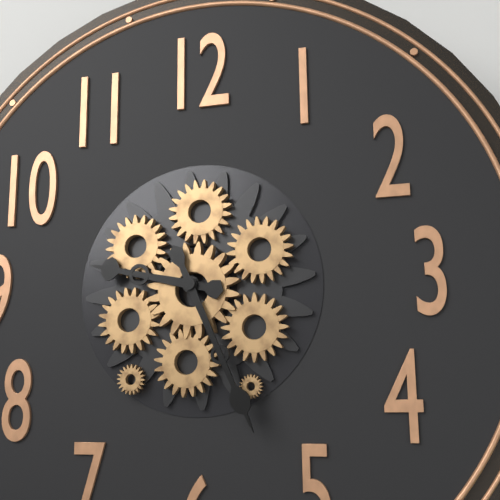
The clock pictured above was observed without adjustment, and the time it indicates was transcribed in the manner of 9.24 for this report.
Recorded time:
9.26
